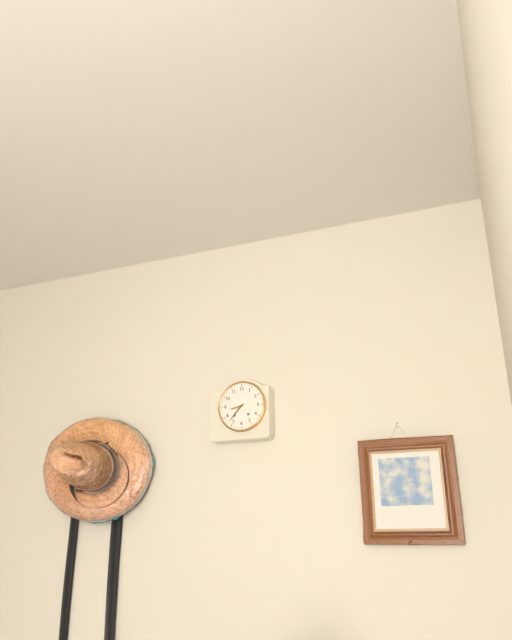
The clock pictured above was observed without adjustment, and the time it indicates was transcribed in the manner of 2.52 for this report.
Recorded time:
8.37
